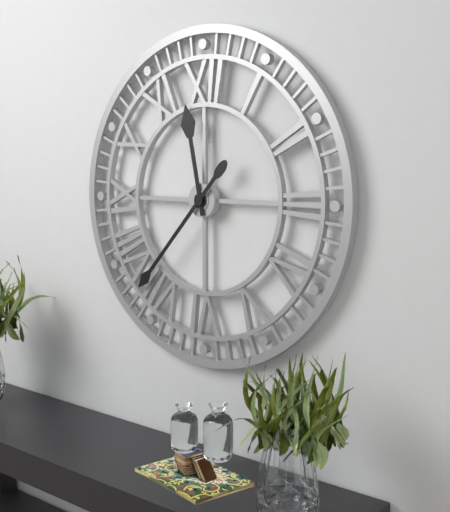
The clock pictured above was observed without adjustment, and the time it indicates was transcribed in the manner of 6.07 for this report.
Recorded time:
11.37
